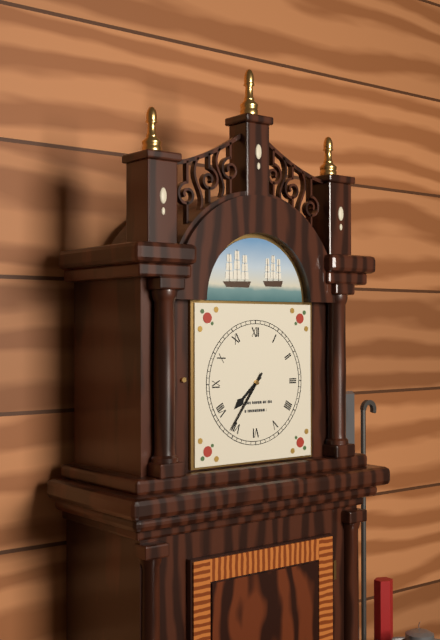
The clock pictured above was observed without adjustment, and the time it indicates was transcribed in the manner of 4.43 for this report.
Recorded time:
7.36
